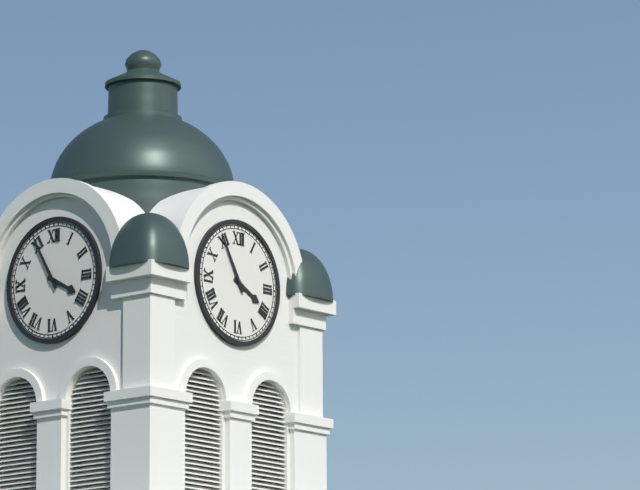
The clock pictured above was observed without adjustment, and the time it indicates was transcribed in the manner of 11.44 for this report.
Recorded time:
3.55
